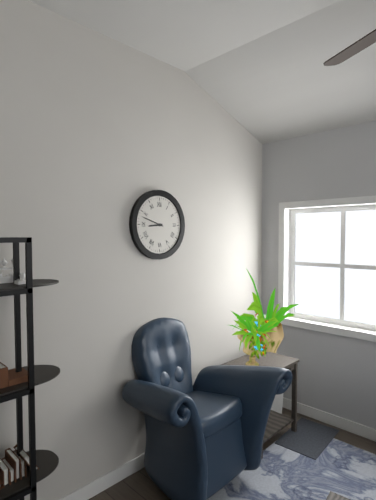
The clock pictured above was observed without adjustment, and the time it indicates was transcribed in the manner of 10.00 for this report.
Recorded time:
8.48
